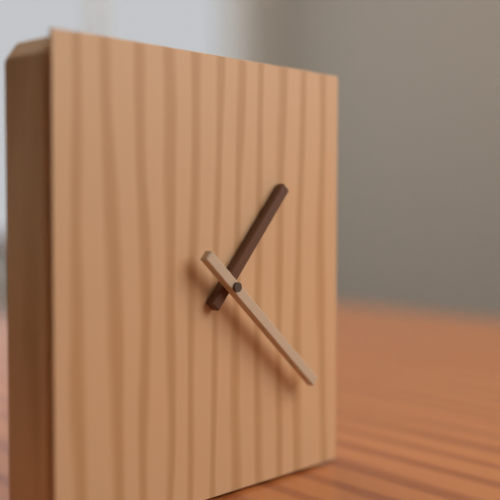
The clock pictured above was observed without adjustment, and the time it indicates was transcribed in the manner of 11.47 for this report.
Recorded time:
1.22
